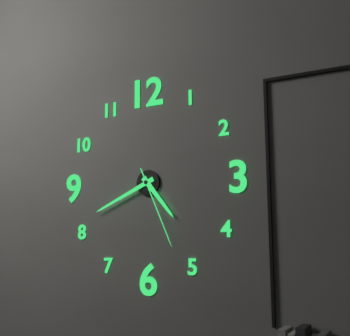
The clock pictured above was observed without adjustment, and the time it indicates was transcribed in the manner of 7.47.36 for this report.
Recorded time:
4.41.26
